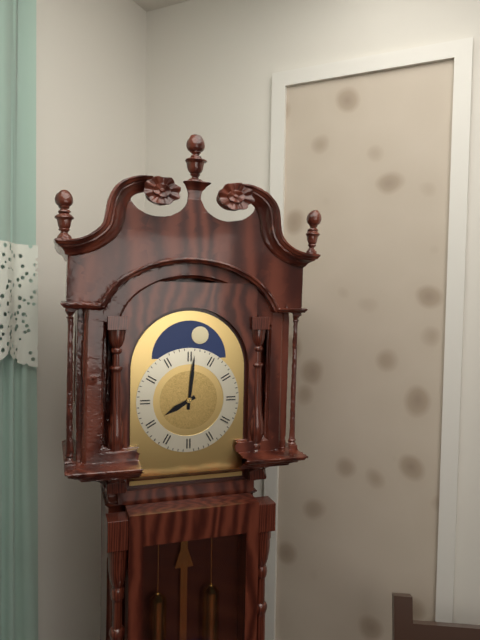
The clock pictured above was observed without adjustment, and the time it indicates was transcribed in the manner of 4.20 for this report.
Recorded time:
8.01
